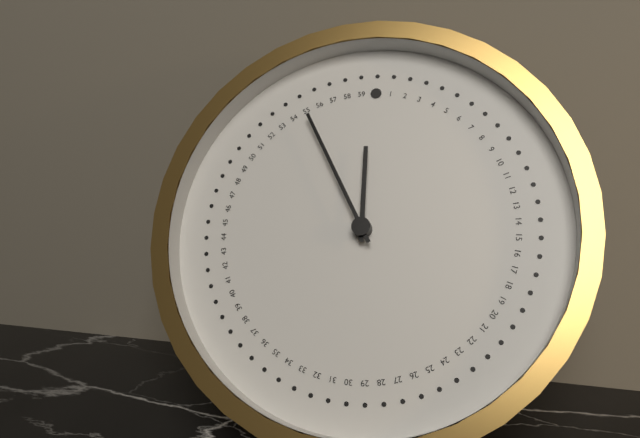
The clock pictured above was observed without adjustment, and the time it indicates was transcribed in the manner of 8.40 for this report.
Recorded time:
11.55
